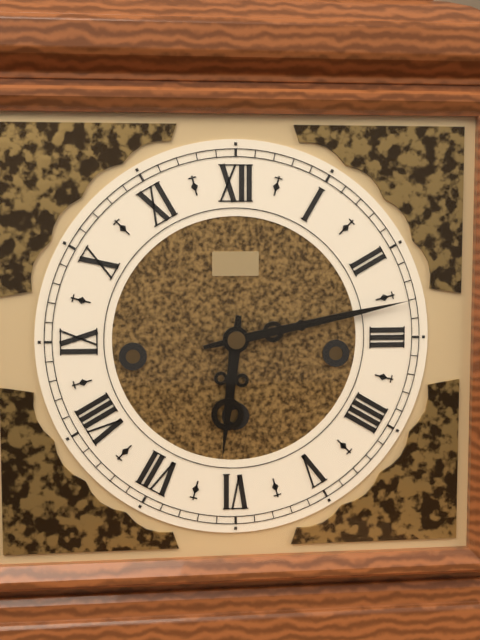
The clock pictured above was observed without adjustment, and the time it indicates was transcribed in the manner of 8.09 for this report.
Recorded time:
6.13
